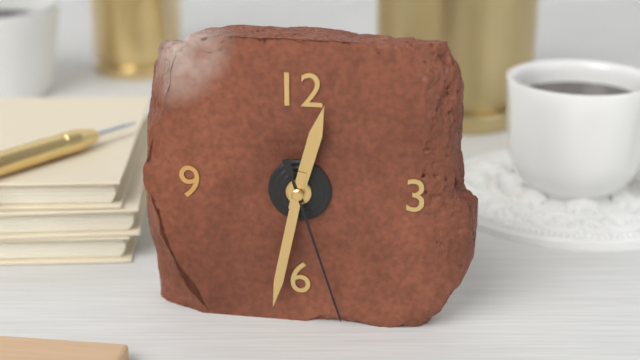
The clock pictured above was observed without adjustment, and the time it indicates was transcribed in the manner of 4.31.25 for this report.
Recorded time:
12.32.27
